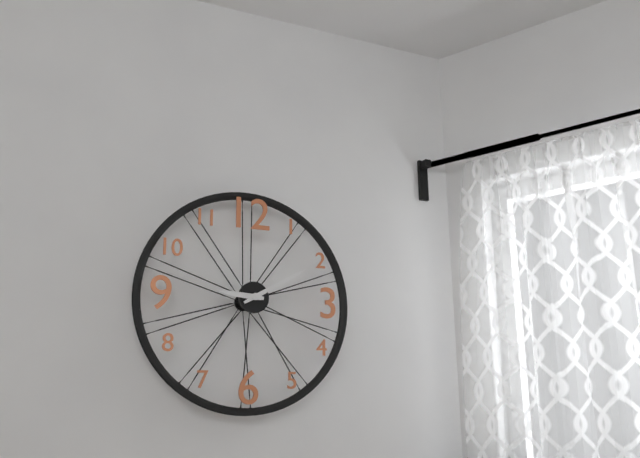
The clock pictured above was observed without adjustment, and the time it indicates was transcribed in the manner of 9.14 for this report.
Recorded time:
9.10
